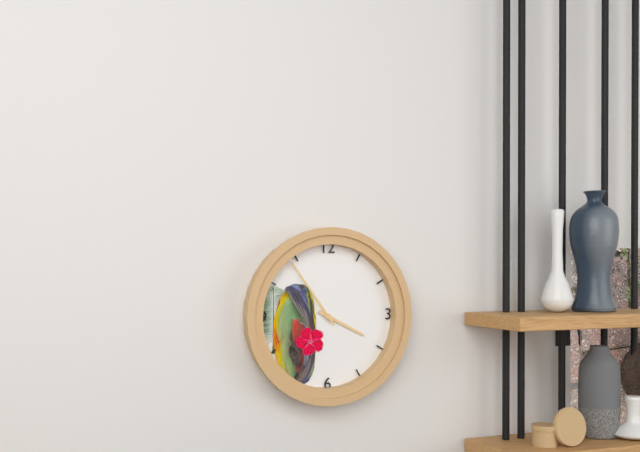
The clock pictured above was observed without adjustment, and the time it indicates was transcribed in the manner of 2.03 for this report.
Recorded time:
3.54
